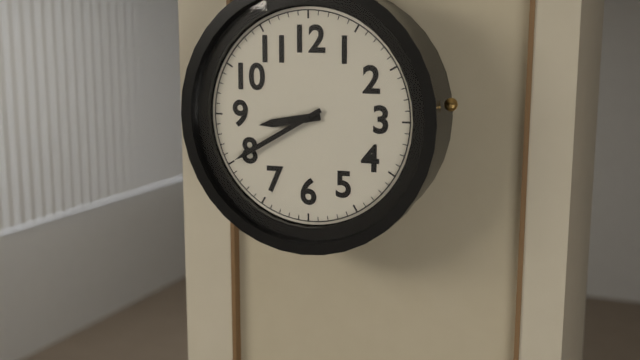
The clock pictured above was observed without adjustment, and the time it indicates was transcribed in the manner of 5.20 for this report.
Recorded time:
8.40
